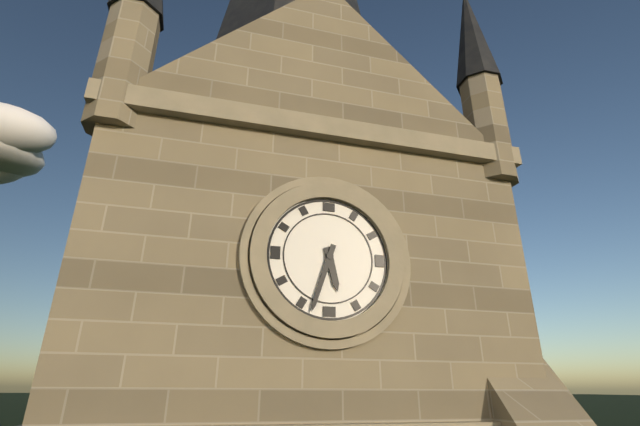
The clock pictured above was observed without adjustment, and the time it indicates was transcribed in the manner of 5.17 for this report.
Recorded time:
5.33
